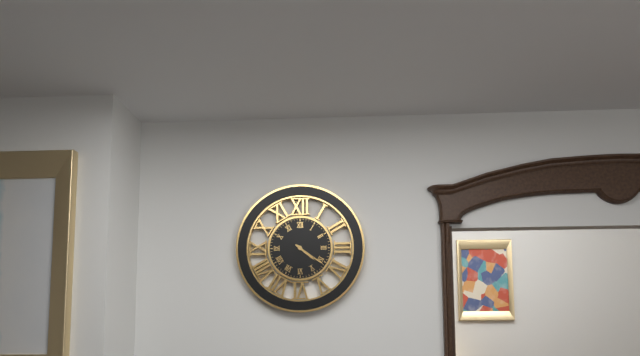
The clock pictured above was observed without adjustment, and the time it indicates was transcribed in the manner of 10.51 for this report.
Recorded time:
4.21
